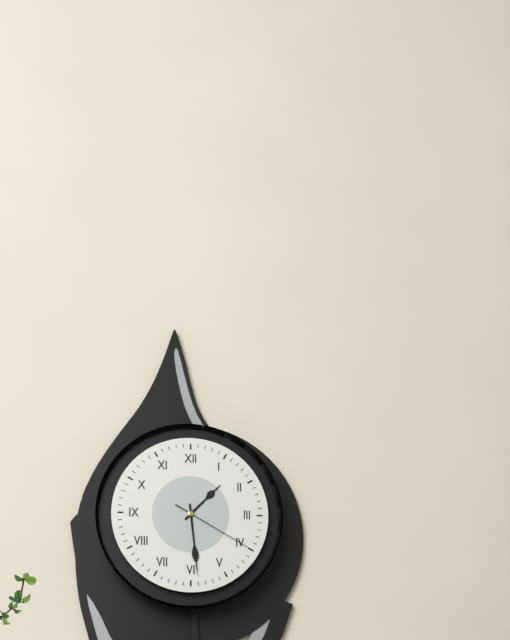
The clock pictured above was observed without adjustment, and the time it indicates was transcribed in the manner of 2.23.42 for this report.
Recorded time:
1.29.20
